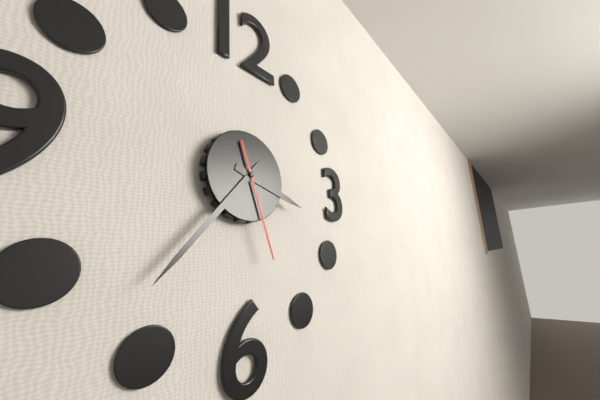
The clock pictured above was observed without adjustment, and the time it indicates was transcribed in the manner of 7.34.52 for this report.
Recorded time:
3.37.27
